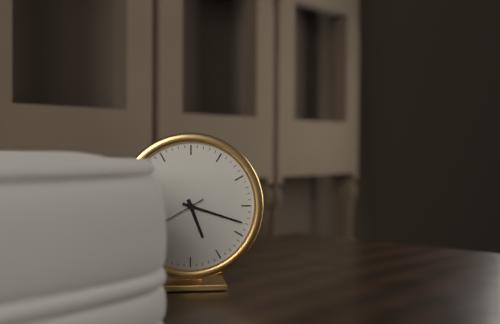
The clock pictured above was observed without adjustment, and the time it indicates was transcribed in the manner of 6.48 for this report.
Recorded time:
5.18
